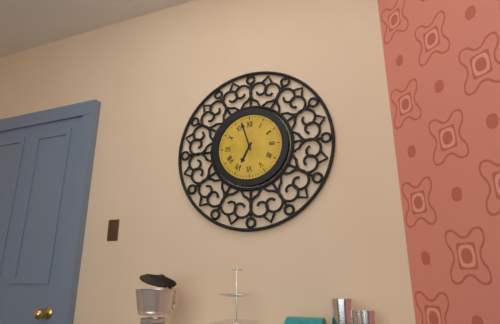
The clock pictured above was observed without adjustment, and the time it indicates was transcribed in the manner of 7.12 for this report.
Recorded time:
6.57
